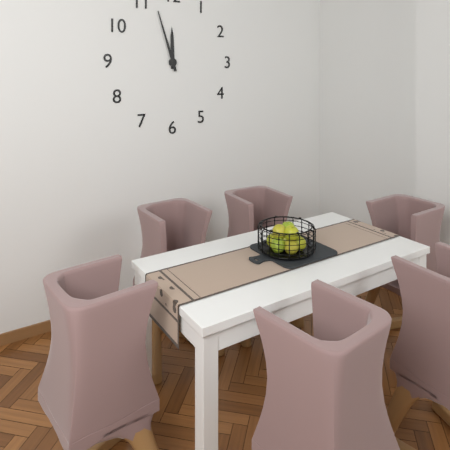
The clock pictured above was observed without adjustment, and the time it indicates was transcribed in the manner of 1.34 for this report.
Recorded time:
11.57
